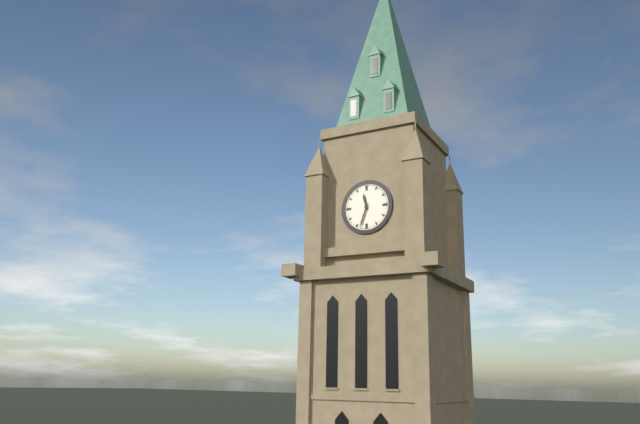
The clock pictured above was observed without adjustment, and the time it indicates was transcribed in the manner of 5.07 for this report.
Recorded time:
11.33
